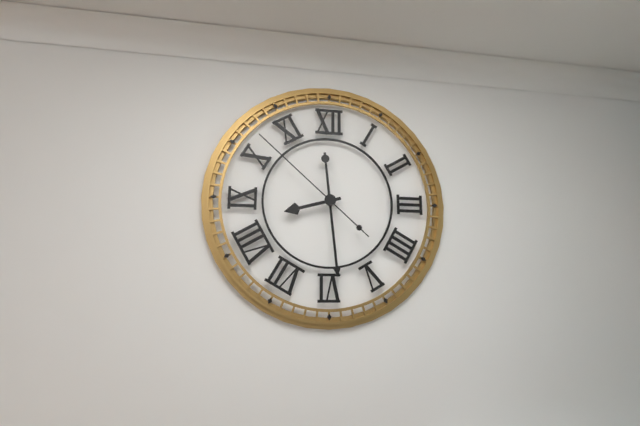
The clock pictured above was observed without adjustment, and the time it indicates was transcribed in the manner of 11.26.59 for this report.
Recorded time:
8.29.52
